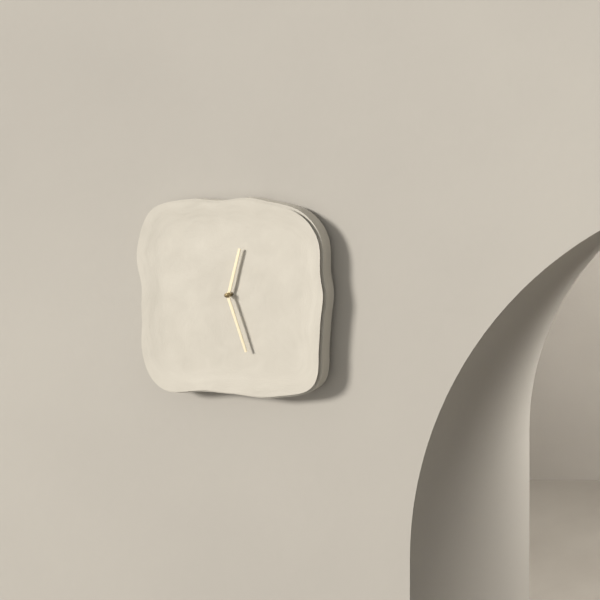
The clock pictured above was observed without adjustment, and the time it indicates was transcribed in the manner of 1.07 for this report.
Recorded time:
12.27
